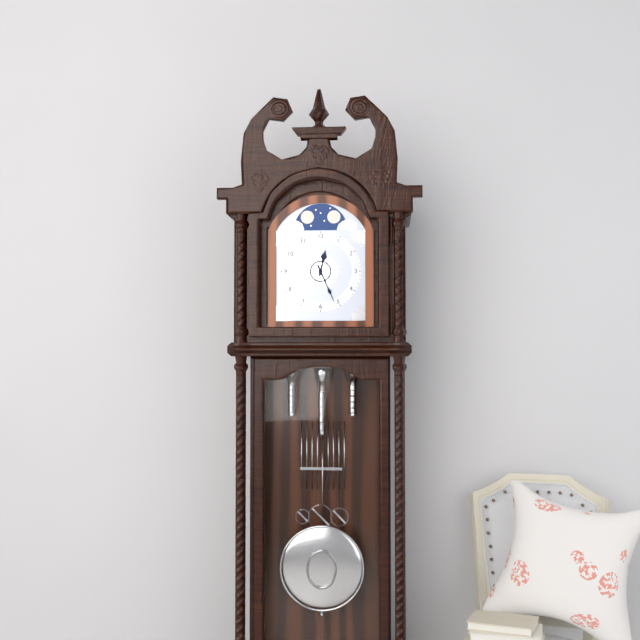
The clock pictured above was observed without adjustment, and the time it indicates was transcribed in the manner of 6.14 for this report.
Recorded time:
12.26
